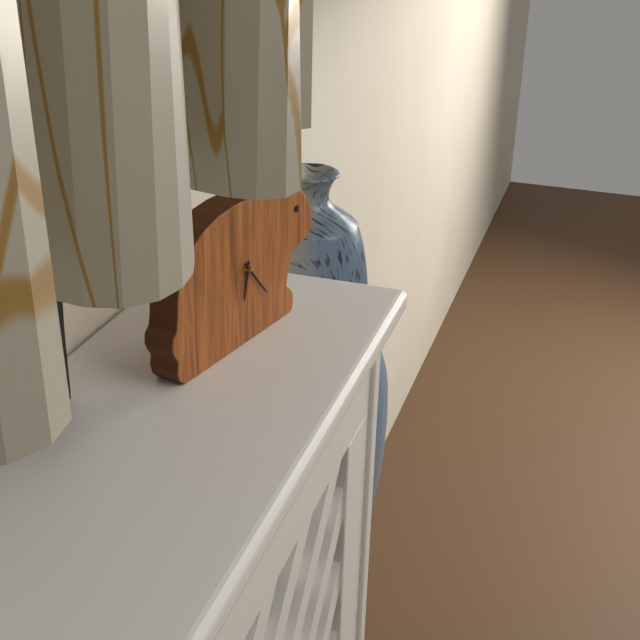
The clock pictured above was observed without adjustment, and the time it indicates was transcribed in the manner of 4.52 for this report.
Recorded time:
6.23
